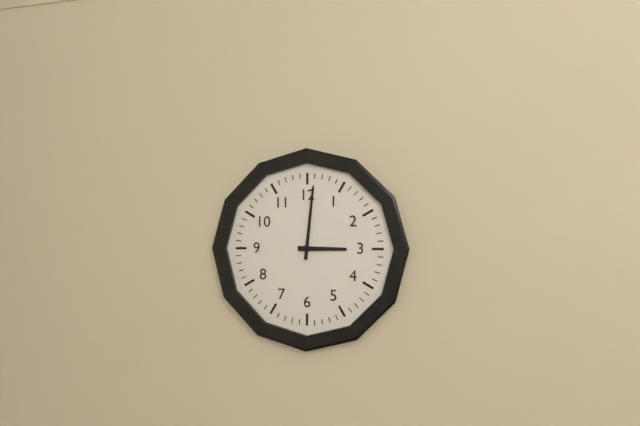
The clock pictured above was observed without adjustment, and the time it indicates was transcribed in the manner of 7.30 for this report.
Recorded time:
3.01
